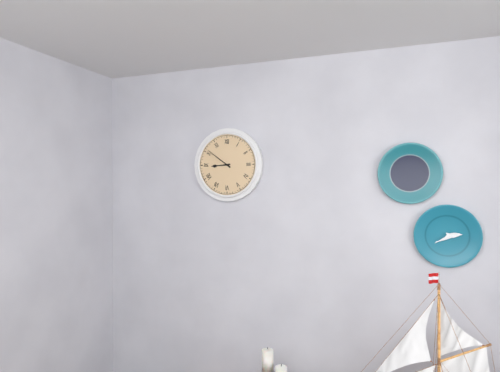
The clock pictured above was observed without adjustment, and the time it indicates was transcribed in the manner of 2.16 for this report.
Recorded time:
8.51
